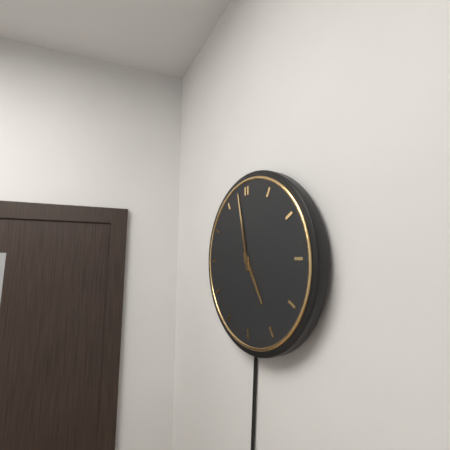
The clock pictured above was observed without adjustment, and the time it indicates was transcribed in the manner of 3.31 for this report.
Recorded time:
4.58
